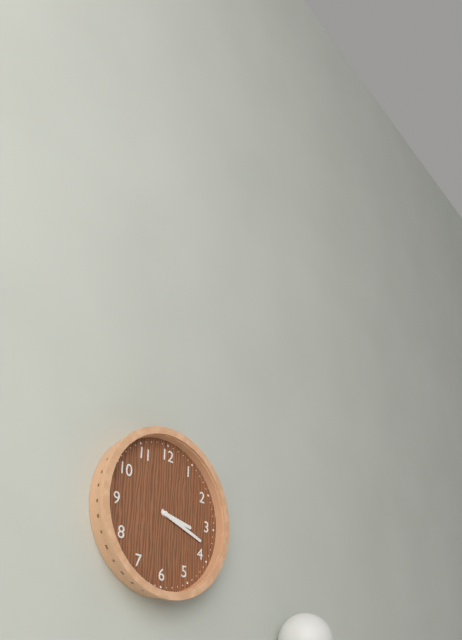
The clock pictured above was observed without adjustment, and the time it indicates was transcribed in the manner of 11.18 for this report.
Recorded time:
3.18
